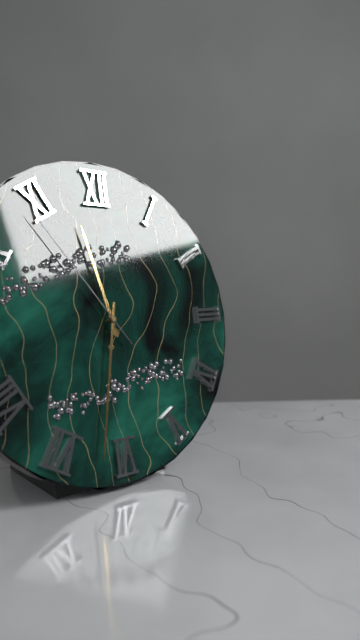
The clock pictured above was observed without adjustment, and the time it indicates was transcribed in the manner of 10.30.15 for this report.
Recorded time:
11.32.54
